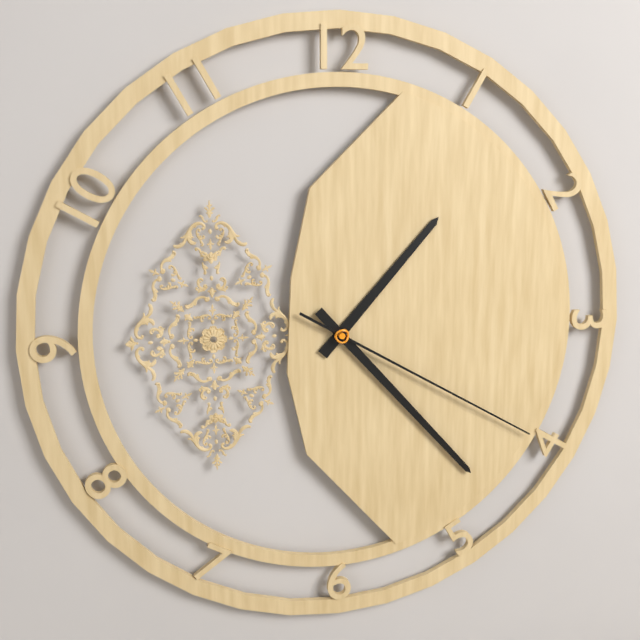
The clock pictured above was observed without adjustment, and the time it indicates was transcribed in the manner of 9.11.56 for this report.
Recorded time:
1.23.20
